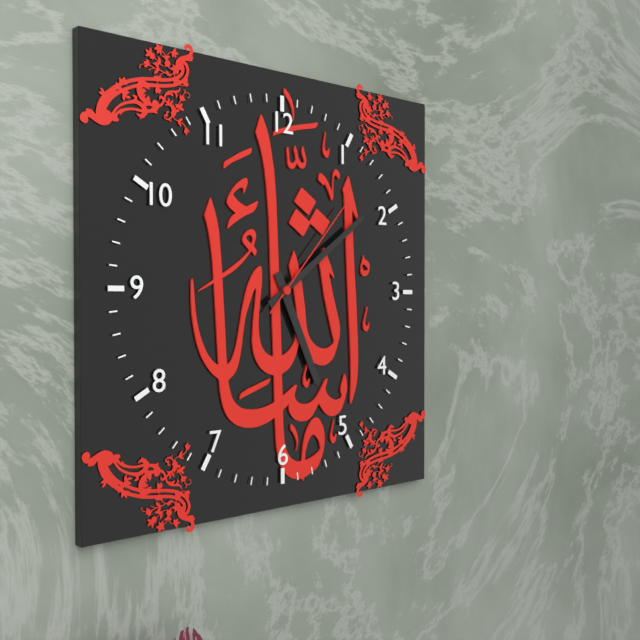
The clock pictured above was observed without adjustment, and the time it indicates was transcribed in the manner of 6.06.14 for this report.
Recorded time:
5.09.07
